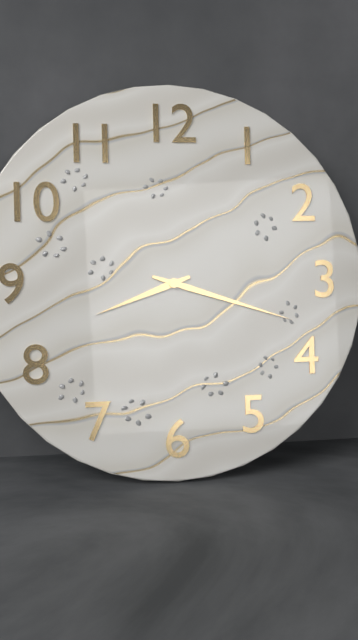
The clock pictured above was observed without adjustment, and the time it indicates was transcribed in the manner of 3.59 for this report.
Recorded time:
8.18
